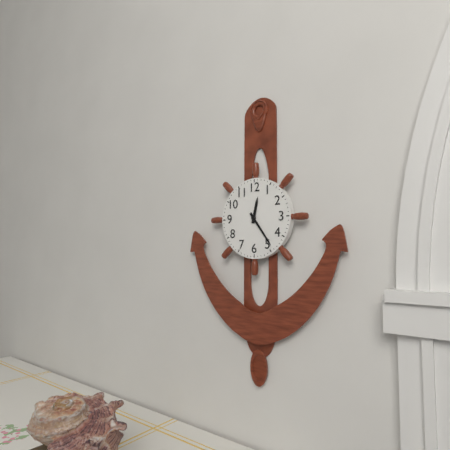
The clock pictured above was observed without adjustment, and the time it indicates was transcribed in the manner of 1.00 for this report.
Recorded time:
12.24
